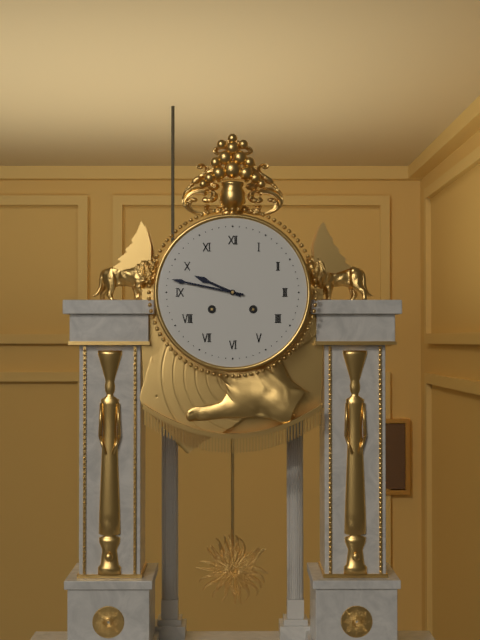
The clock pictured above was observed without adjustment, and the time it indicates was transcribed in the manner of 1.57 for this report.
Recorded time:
9.47
